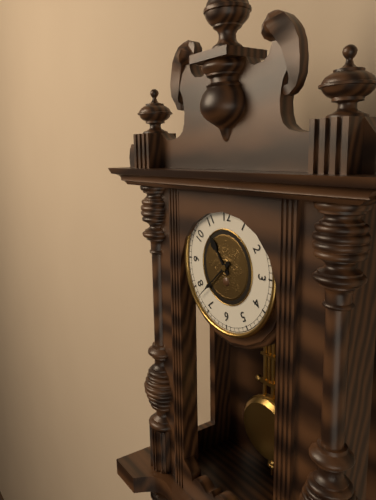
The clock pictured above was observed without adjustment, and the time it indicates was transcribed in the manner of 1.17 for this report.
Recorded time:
10.38
